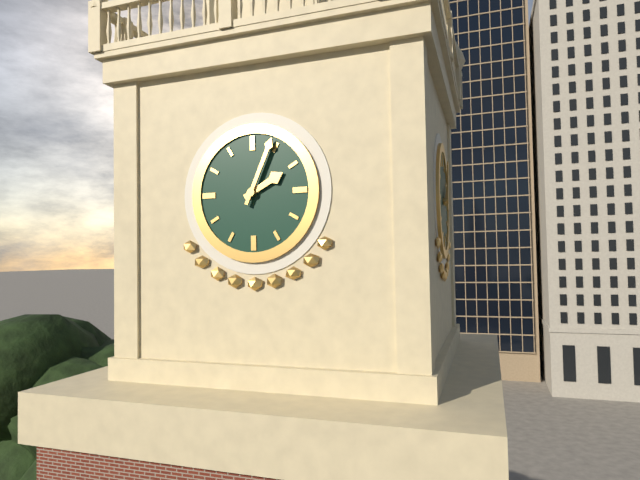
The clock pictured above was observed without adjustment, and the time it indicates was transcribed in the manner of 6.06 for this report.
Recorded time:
2.04
